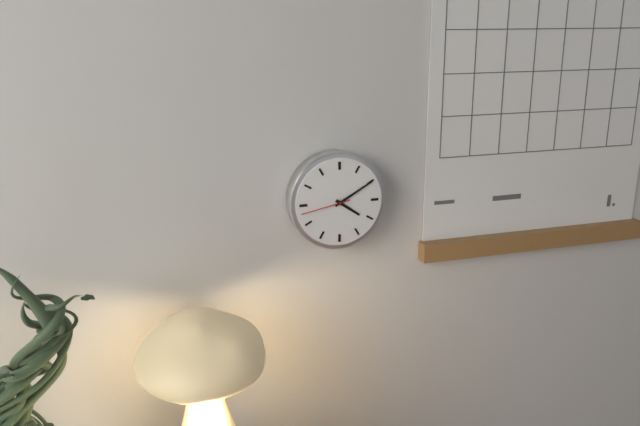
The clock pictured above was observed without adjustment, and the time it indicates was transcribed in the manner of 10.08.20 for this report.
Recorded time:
4.10.43
